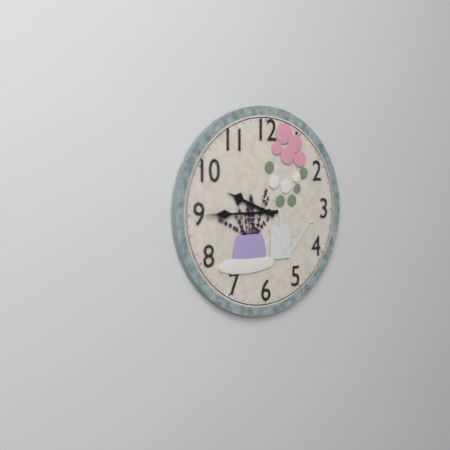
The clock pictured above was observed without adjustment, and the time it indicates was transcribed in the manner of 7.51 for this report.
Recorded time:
9.45
